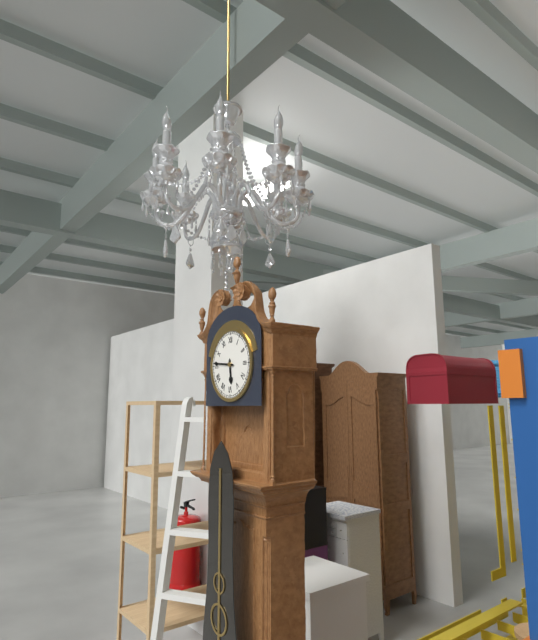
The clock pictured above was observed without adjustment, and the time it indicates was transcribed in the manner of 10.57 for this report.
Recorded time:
5.46
